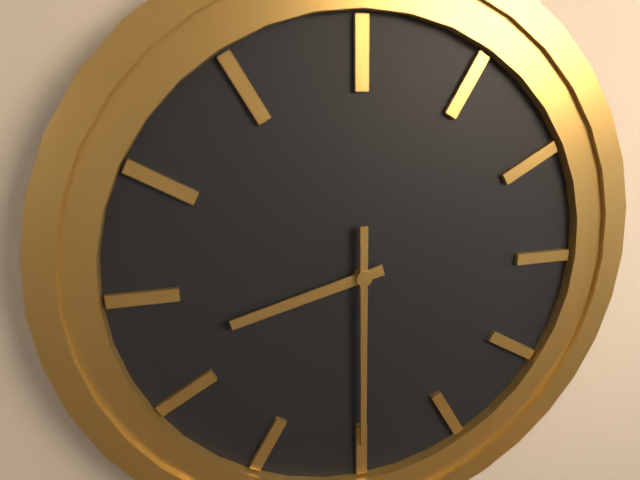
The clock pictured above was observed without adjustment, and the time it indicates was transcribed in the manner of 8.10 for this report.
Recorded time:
8.30
